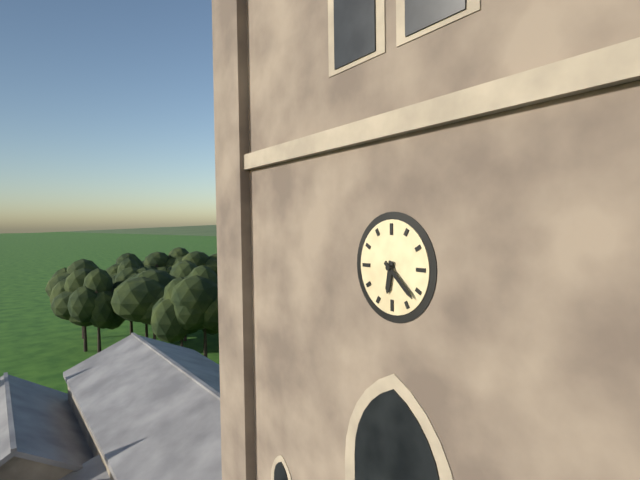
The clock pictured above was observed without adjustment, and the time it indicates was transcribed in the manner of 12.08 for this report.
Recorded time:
6.22
